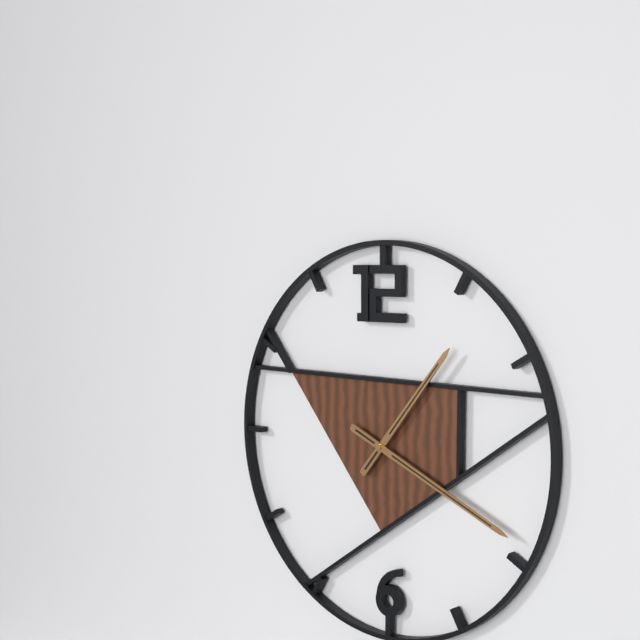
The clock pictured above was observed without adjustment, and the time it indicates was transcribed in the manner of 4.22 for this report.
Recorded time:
1.19
